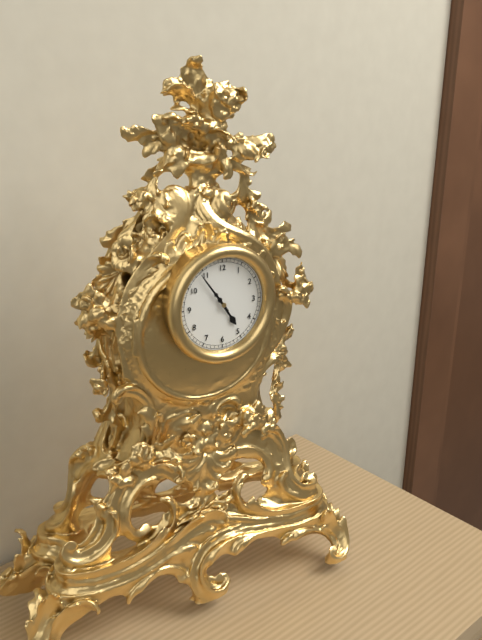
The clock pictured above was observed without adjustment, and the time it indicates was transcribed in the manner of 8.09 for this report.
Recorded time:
4.54
